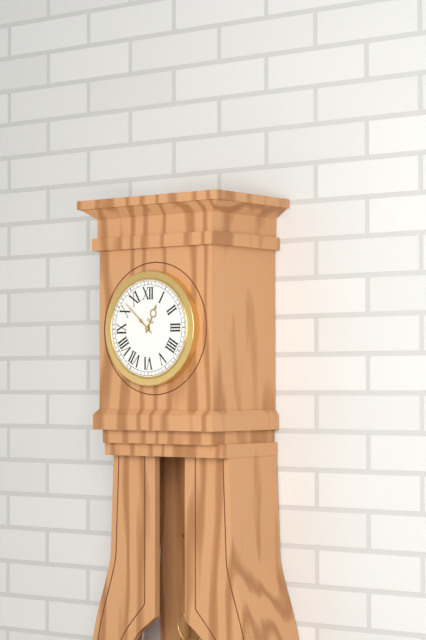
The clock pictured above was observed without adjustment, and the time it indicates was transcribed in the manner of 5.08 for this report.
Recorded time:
12.52
